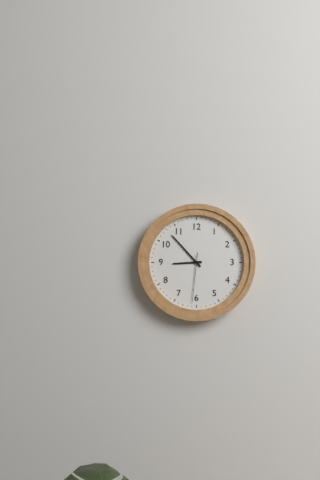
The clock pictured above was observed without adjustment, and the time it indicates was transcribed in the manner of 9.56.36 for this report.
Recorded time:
8.53.31
